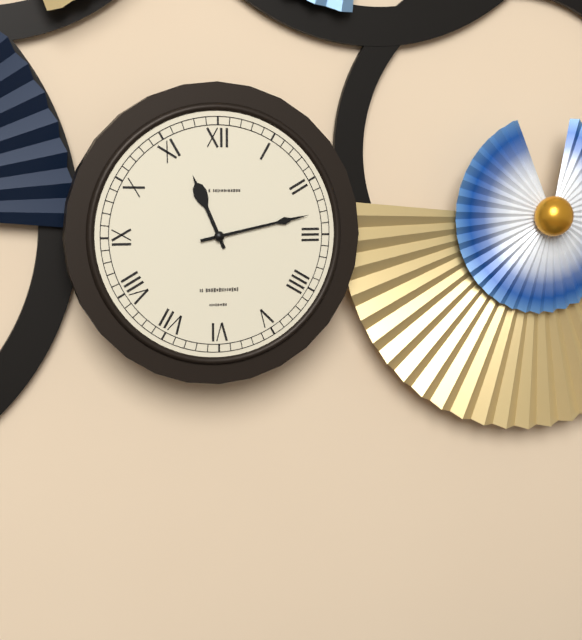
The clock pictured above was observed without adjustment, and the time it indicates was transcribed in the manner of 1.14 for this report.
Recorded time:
11.13
